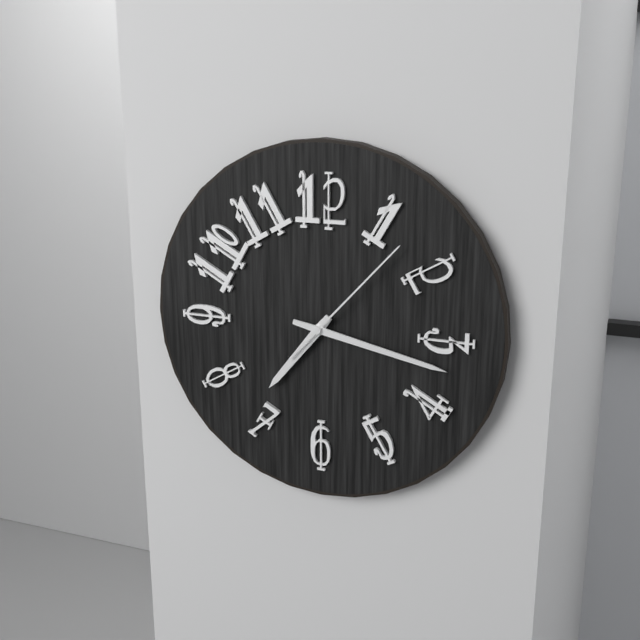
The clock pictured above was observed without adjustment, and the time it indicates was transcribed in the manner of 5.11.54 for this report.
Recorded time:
7.17.07
